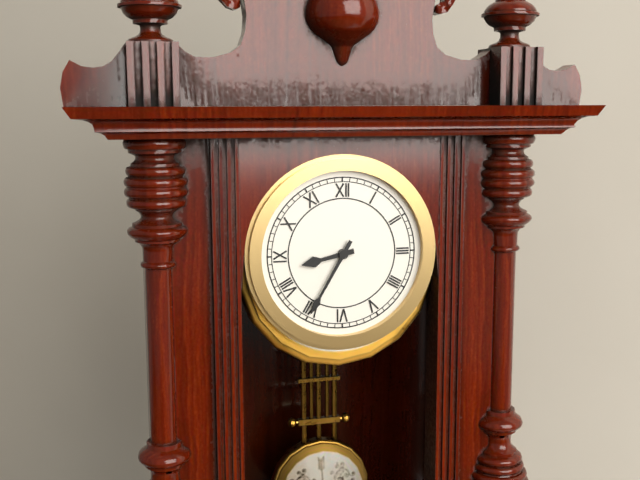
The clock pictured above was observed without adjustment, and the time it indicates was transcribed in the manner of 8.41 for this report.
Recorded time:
8.35
